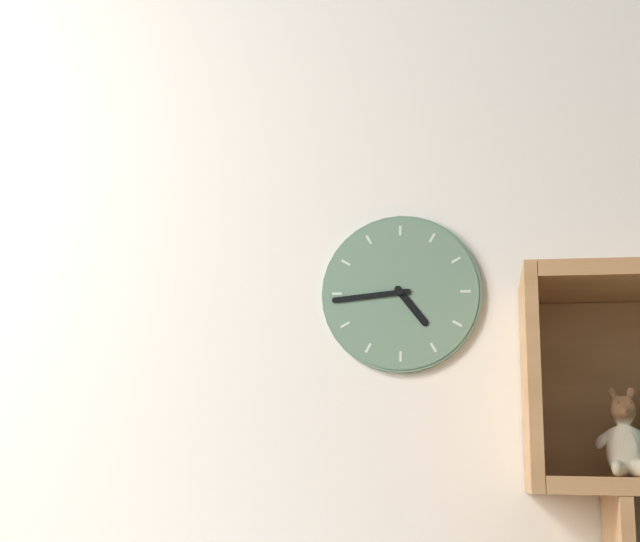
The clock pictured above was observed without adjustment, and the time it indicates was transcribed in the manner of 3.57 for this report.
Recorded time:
4.44
